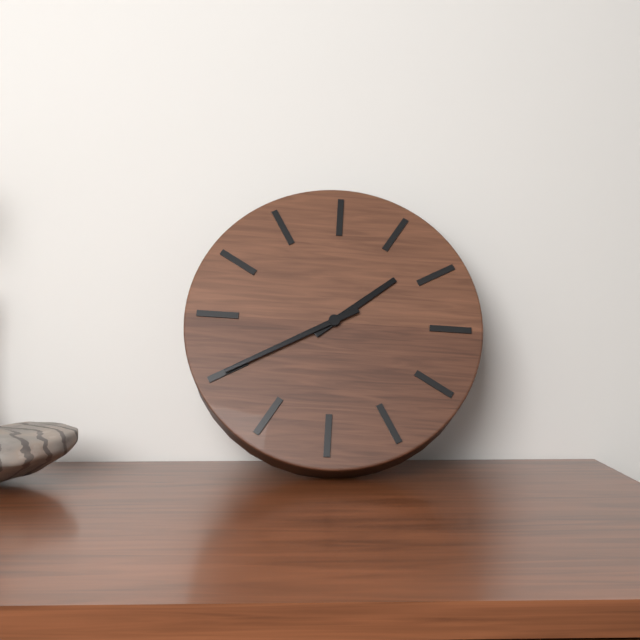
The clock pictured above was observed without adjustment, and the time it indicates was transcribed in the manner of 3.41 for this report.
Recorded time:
1.40
